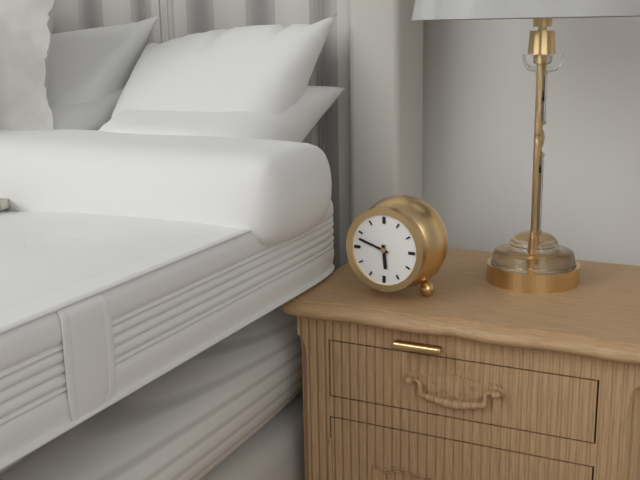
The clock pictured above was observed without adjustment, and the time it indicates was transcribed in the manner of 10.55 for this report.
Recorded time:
5.48
